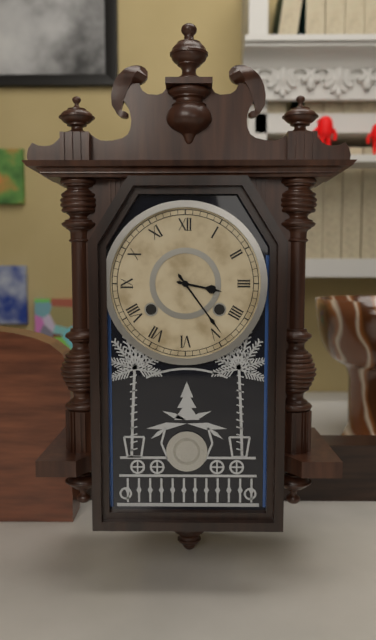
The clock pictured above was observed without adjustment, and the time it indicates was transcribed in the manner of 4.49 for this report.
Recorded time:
3.24
